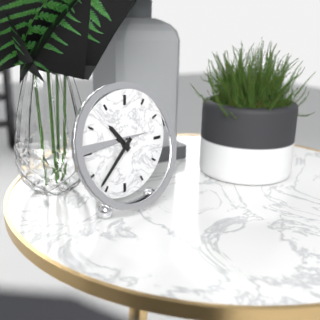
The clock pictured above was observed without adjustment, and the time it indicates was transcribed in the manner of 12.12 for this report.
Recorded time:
10.37
